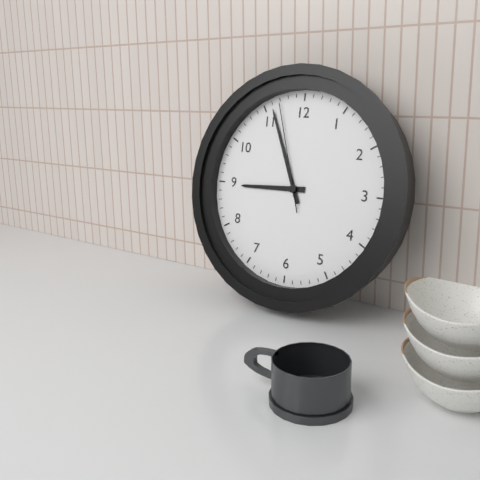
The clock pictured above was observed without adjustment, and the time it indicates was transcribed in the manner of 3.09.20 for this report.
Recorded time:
8.56.57
